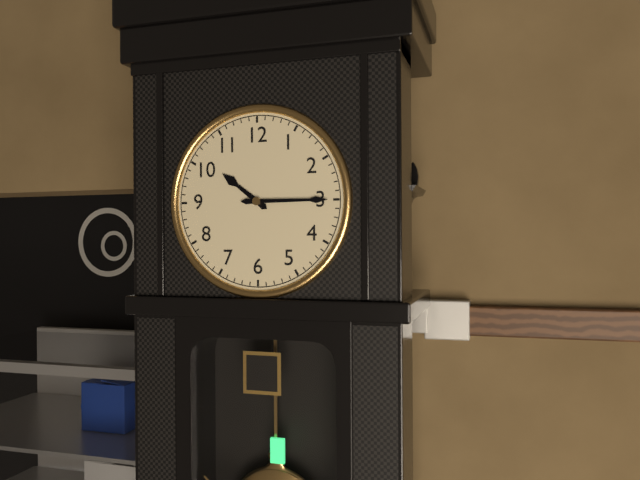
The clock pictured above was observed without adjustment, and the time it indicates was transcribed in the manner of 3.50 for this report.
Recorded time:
10.15
